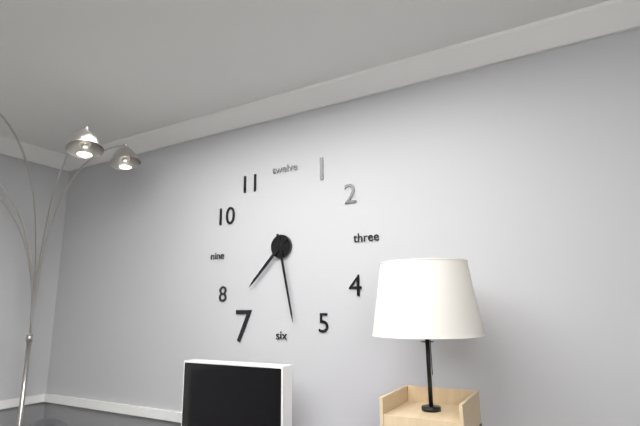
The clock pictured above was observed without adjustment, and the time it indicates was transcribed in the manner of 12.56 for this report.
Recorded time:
7.28
